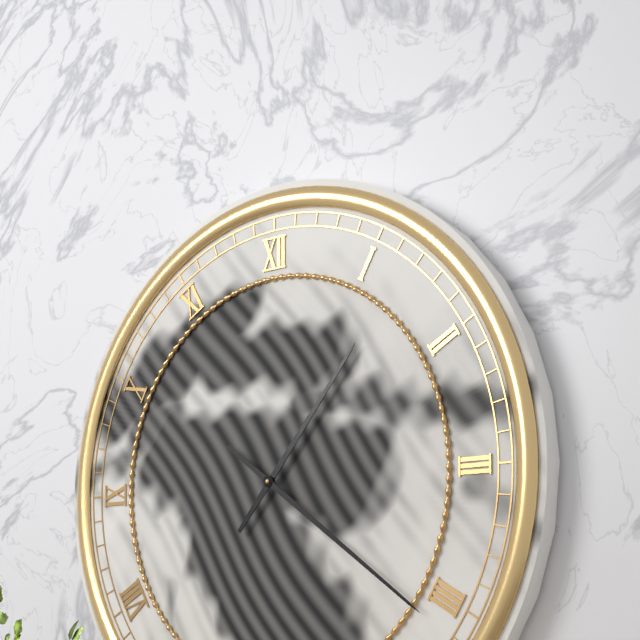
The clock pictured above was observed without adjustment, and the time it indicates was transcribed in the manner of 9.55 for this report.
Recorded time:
1.21
